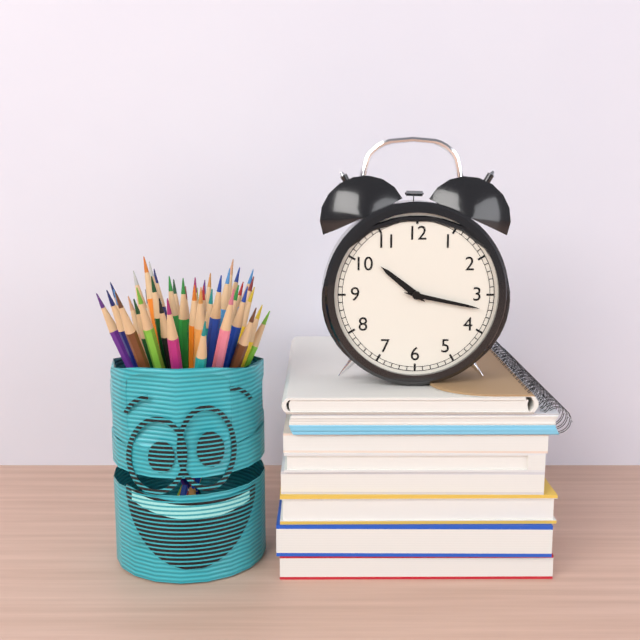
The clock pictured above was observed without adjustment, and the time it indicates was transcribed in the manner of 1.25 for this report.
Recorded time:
10.17
